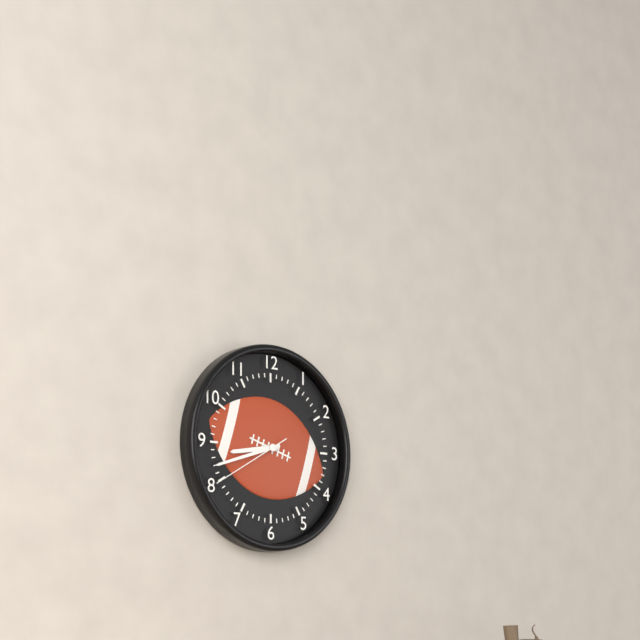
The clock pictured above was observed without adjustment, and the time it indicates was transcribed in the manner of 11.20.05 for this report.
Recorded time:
8.42.40
